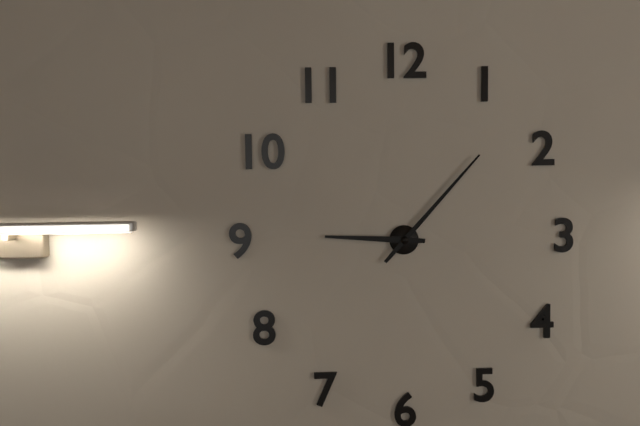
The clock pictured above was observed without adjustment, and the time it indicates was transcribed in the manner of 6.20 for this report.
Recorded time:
9.07
